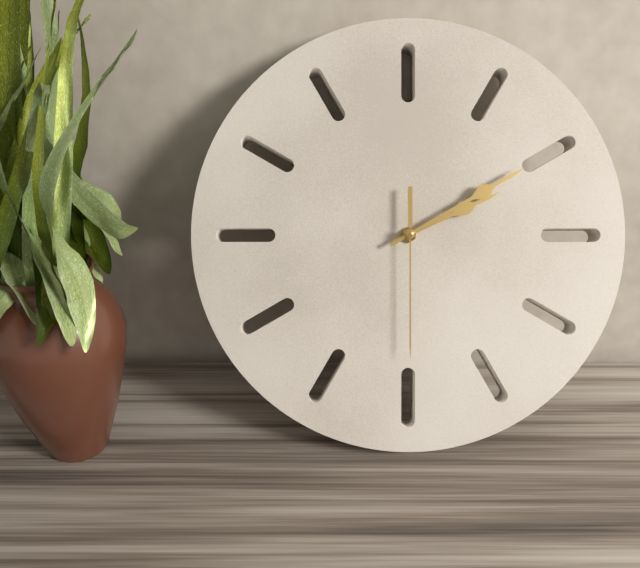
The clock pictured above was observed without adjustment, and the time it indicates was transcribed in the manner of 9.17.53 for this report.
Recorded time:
2.10.30
